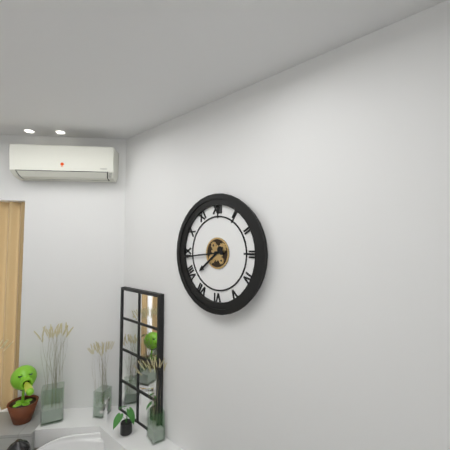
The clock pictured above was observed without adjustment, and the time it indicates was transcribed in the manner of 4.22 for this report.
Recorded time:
7.44
